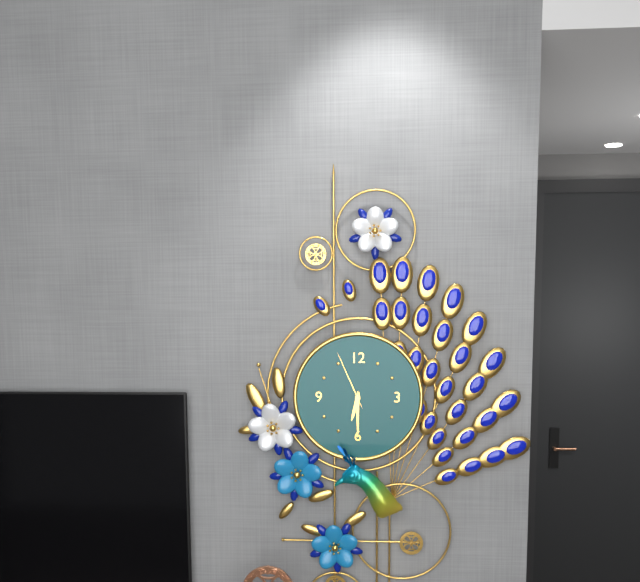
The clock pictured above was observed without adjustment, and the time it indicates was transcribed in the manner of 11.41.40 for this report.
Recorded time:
6.30.56
